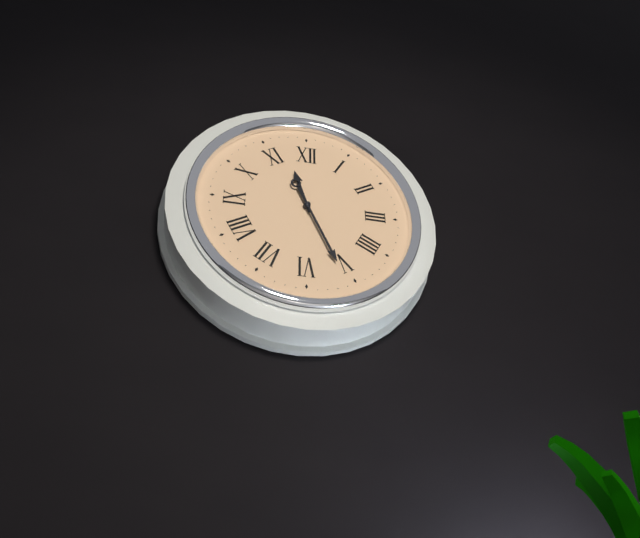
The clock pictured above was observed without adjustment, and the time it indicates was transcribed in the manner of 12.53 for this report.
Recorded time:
11.26
